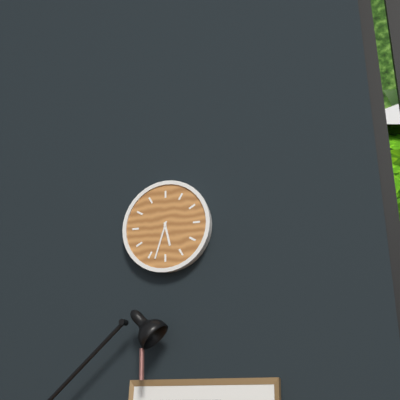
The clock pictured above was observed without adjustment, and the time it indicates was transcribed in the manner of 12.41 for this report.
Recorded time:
5.33
